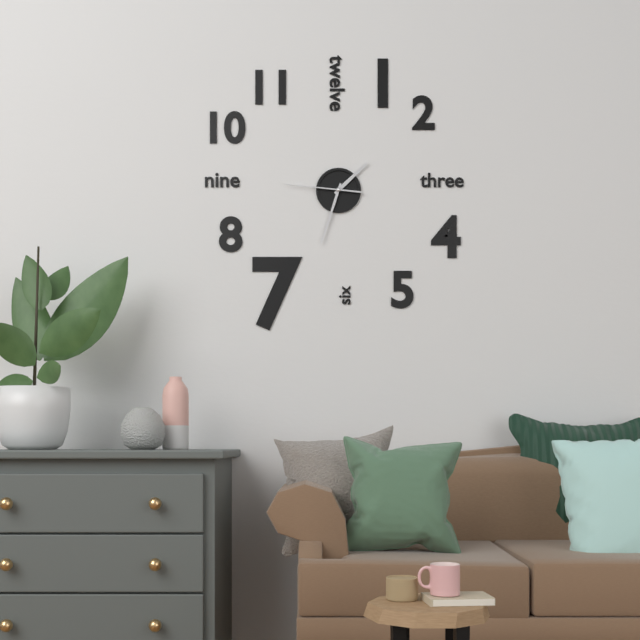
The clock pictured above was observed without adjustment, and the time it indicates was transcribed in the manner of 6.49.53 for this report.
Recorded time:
1.33.46
